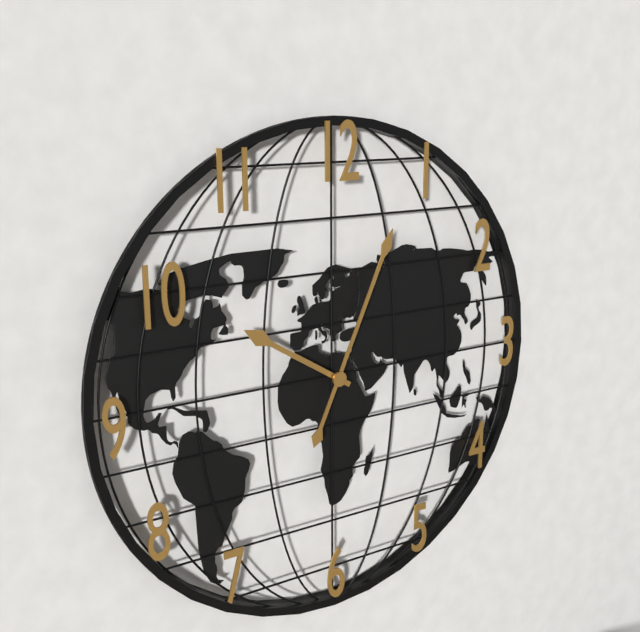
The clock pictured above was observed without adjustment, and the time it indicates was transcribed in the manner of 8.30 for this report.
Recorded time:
10.04
